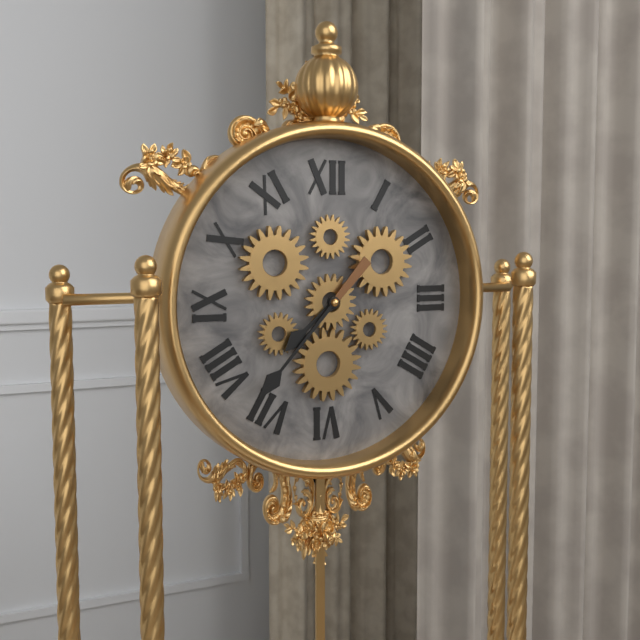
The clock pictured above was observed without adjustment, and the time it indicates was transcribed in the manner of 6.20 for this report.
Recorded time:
7.37
